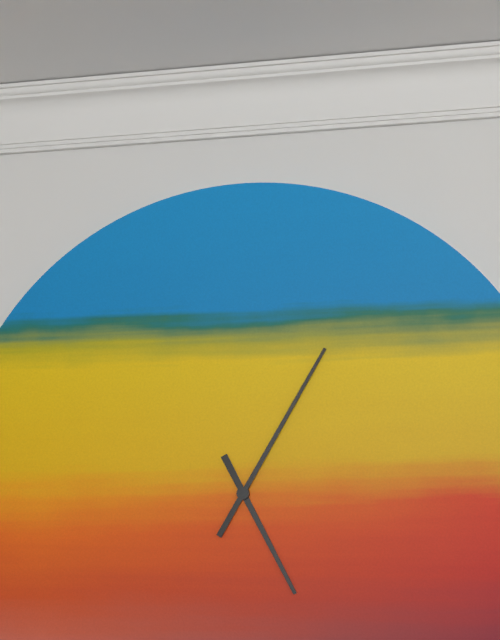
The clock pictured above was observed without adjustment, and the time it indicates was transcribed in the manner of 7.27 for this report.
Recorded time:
5.05
